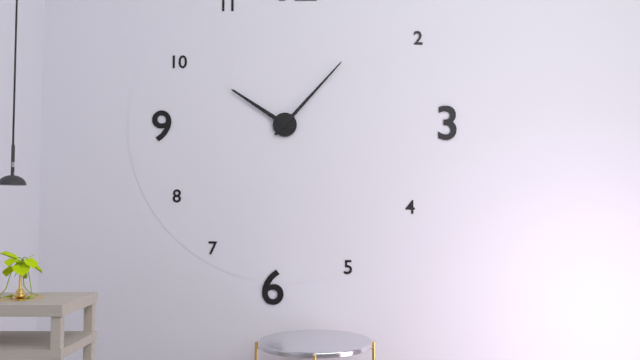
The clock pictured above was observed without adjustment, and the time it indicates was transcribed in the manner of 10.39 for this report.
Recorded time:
10.07
